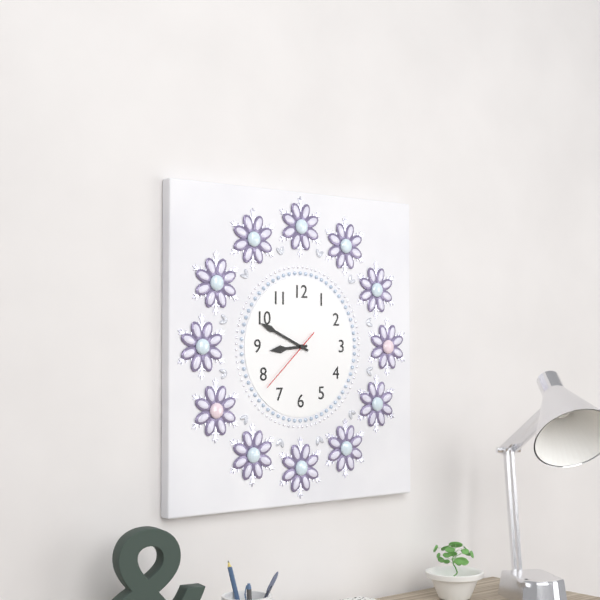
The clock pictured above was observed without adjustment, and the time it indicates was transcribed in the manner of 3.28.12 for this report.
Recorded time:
8.49.38
